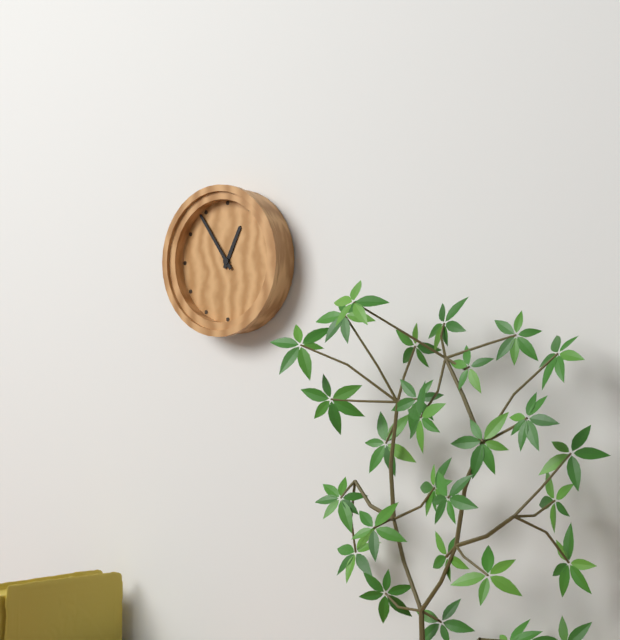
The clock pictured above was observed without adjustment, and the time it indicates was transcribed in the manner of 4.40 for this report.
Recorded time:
12.54
